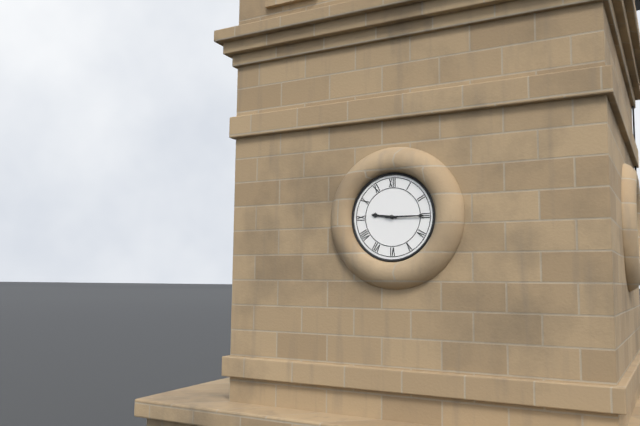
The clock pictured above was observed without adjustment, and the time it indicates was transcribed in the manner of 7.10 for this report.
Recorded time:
9.15
